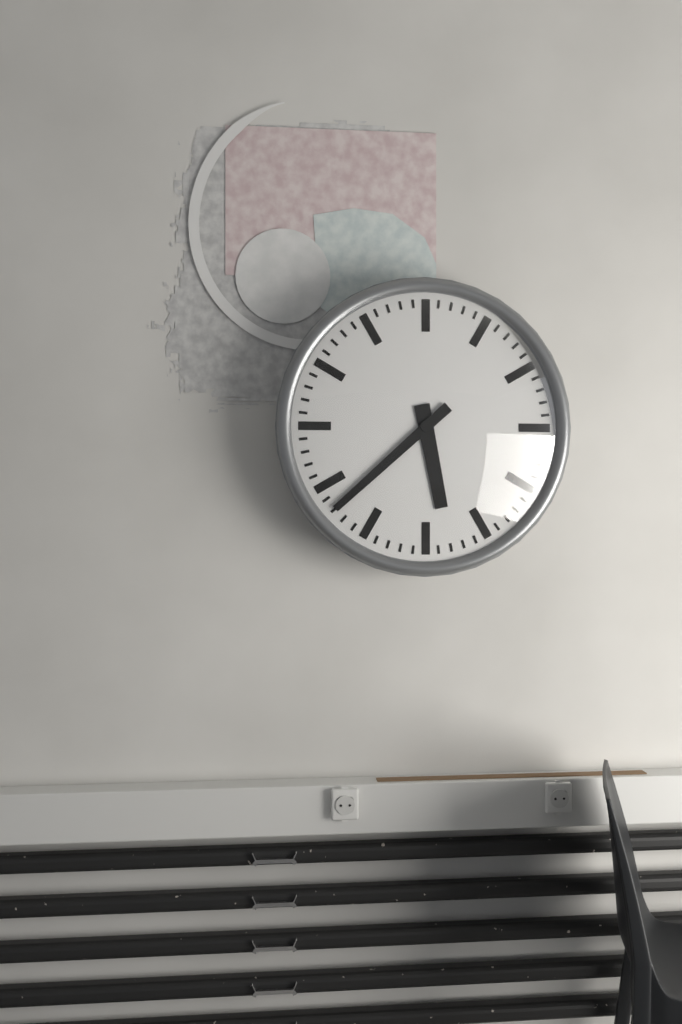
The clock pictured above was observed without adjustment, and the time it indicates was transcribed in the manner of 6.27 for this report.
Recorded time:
5.38
